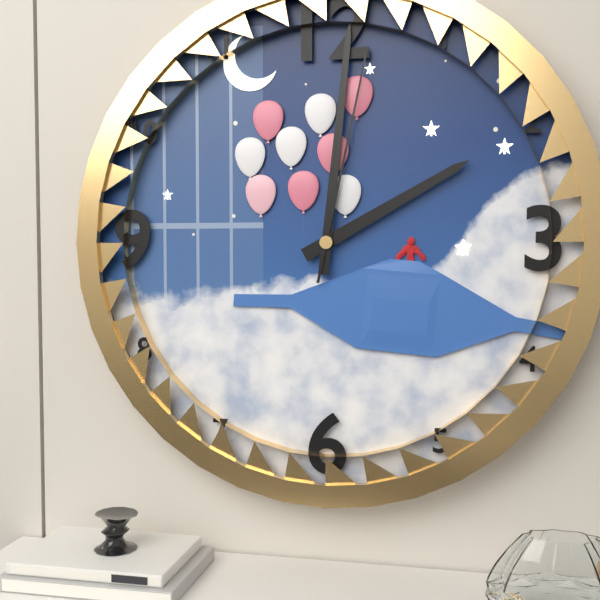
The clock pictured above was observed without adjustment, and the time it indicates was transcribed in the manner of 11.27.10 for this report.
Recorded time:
2.01.02
